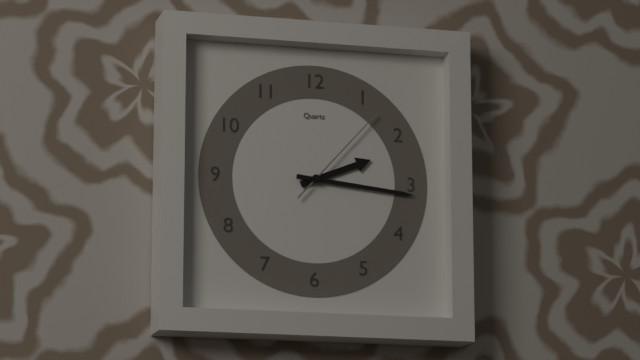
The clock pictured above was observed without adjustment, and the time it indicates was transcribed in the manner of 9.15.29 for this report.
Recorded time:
2.16.07
